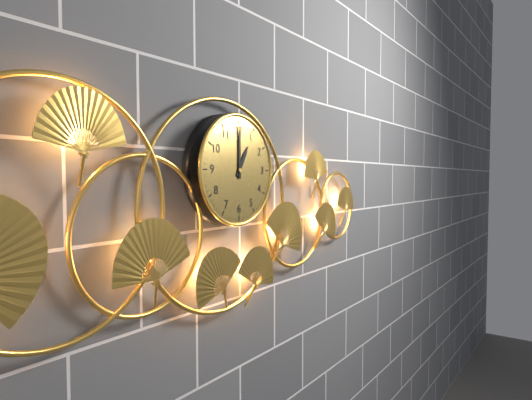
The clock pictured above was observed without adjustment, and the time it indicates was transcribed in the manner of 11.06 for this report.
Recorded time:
1.00
